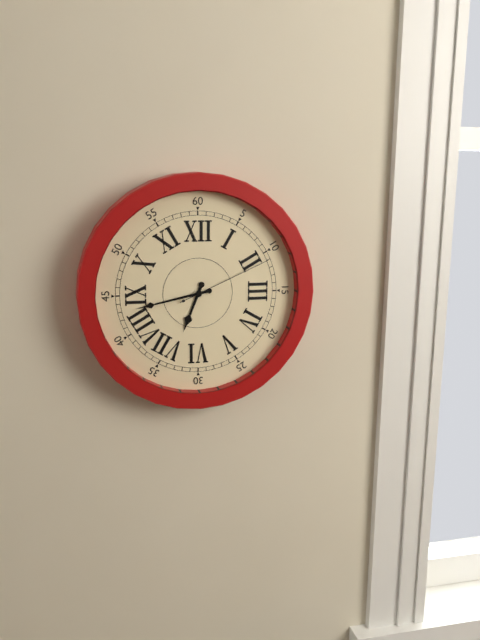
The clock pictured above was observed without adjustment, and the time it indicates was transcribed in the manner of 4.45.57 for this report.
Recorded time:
6.43.11
